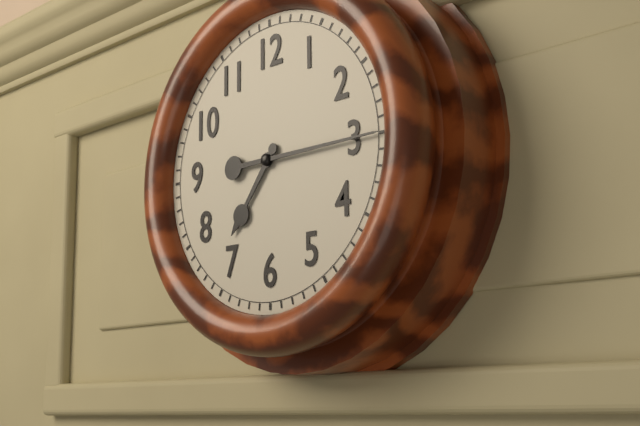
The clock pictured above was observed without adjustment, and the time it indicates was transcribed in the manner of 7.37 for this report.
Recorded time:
7.15
